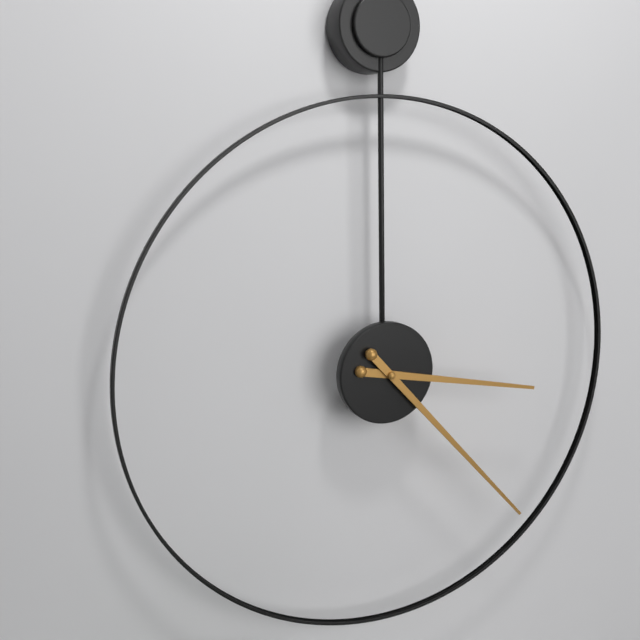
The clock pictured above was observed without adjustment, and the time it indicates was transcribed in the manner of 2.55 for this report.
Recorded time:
3.23
